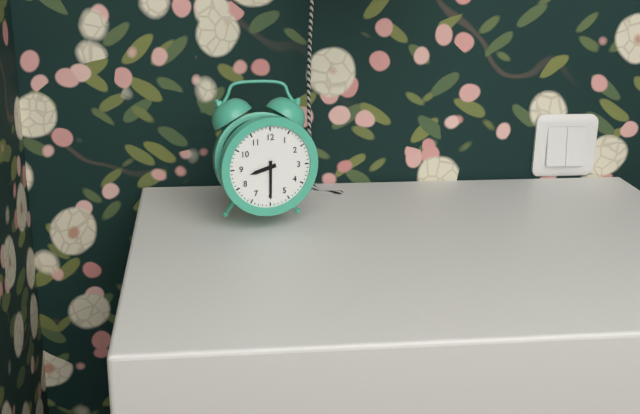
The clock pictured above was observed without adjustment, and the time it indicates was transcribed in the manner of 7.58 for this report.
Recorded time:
8.30
